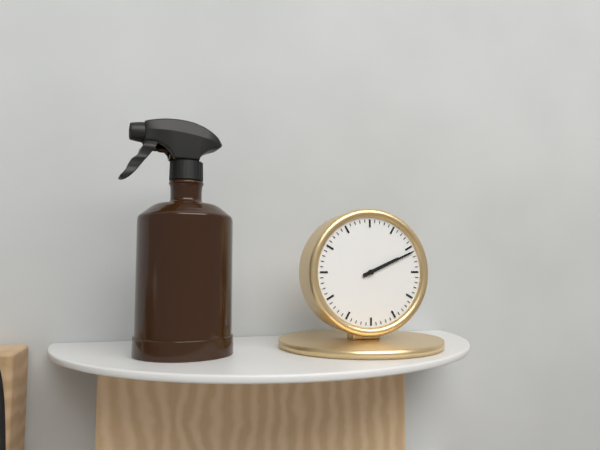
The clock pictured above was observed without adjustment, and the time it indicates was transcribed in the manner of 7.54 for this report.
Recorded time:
2.11
